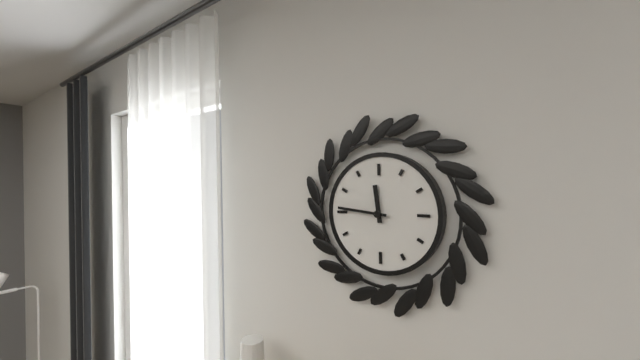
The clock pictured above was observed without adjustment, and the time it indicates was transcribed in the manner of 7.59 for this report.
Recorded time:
11.46
